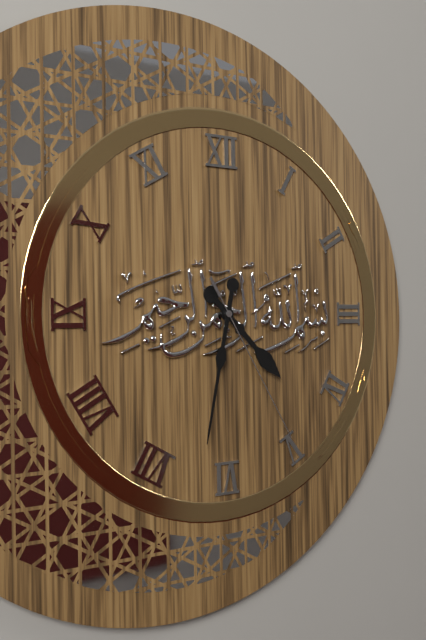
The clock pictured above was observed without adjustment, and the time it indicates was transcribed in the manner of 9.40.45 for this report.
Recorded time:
4.32.25
